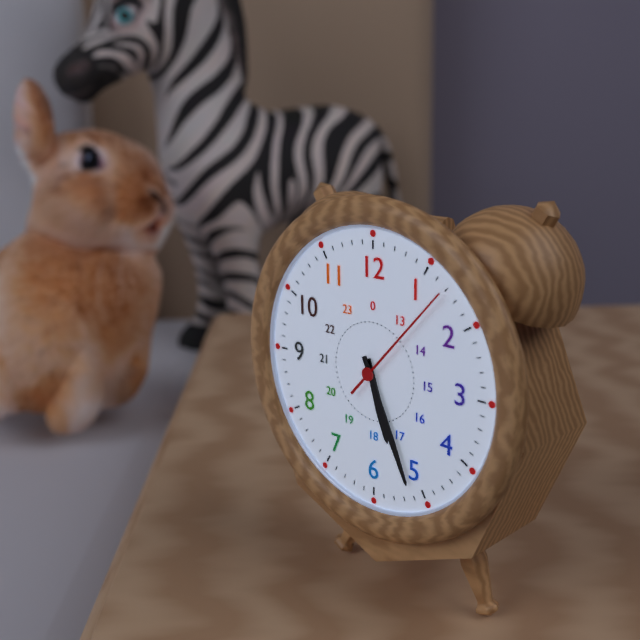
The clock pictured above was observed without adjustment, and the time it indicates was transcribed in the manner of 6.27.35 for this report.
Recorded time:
5.26.07
